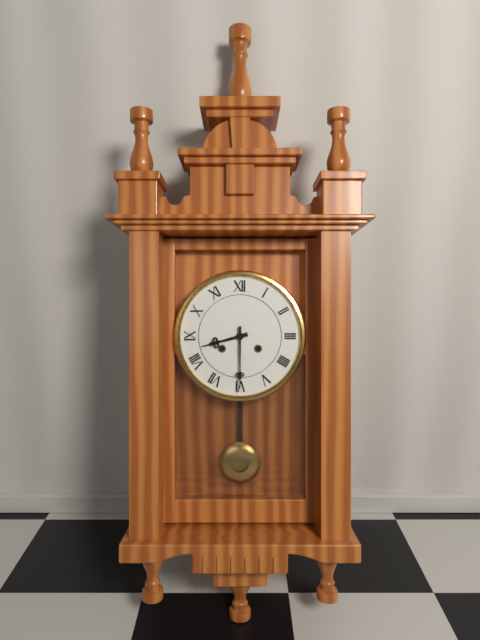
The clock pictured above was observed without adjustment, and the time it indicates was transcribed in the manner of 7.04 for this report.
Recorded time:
8.30
